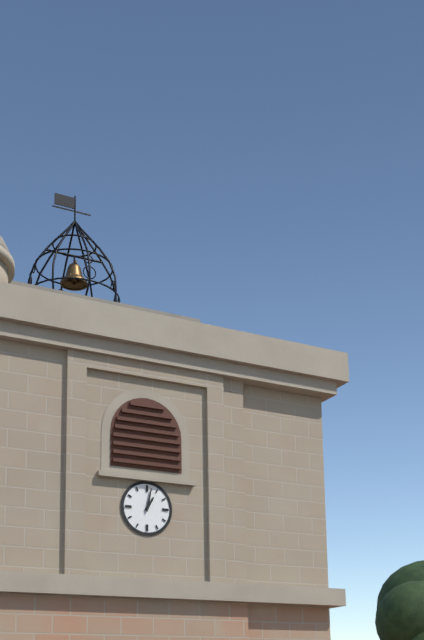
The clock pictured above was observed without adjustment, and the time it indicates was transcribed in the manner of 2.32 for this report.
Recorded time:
1.02
